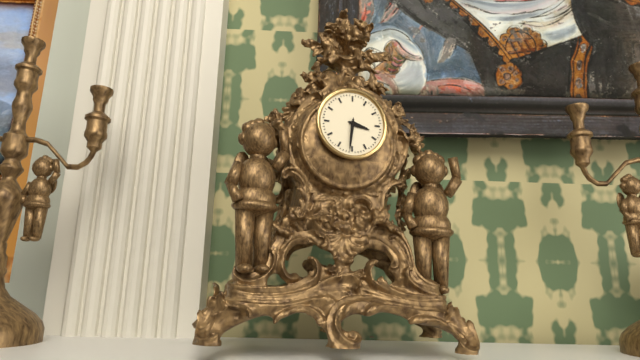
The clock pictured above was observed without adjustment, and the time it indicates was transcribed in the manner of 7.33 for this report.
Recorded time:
3.31
